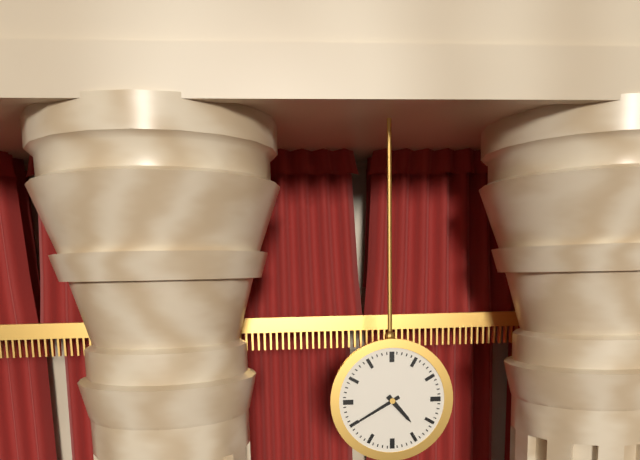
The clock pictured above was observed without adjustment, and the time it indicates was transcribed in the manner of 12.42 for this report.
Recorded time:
4.40
